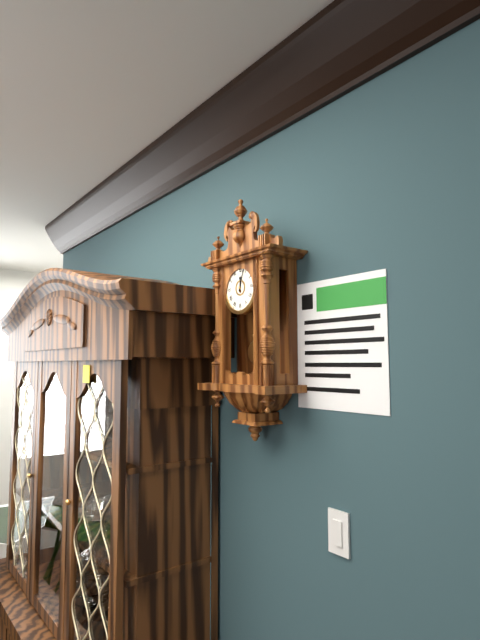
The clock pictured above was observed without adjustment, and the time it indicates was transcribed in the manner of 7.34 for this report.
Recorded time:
12.03
